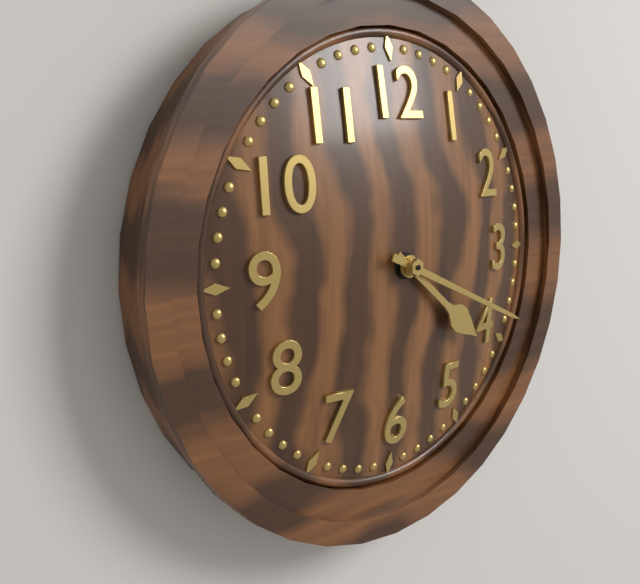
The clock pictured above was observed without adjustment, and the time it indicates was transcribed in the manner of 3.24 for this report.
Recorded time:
4.19
